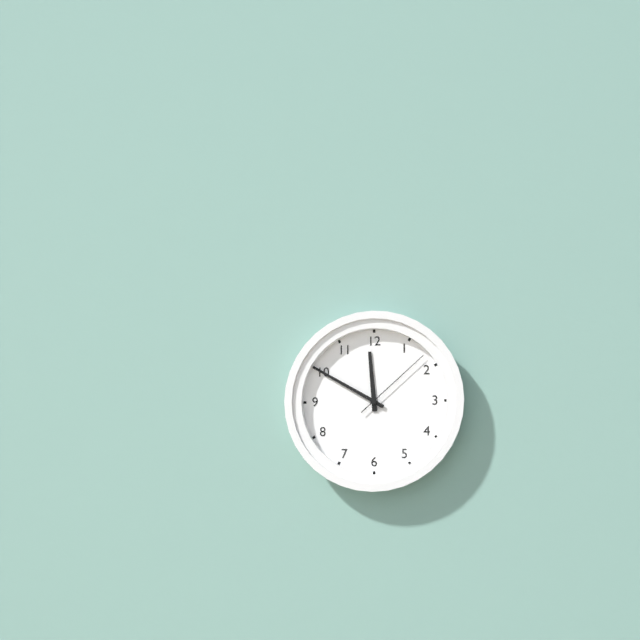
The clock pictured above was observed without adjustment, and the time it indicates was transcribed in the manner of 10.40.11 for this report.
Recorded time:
11.50.08
